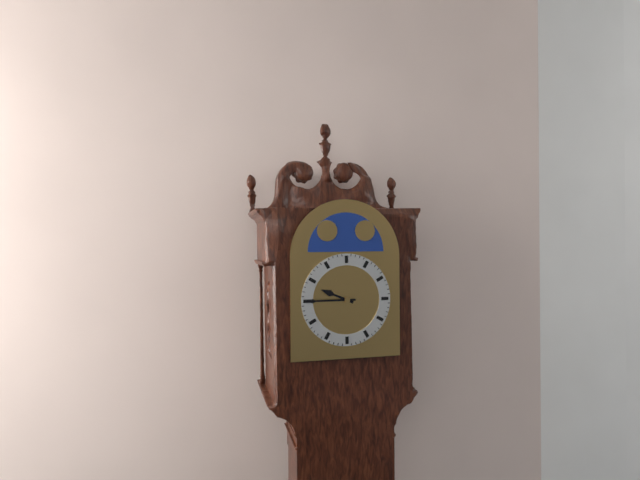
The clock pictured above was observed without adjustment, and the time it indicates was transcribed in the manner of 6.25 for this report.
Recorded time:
9.45
